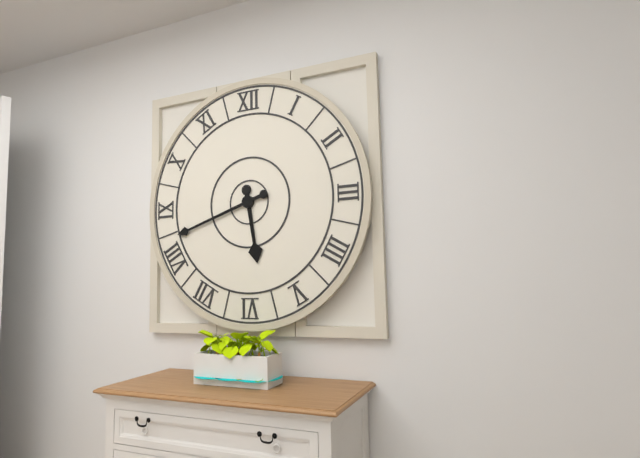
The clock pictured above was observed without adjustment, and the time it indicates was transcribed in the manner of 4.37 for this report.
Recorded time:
5.42
